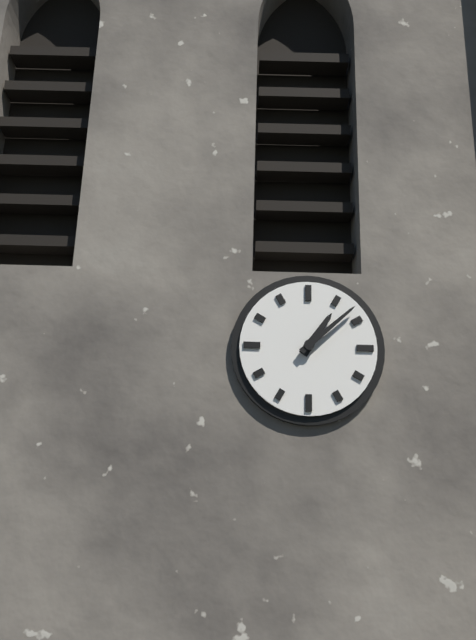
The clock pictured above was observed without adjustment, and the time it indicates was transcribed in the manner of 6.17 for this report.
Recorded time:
1.08
